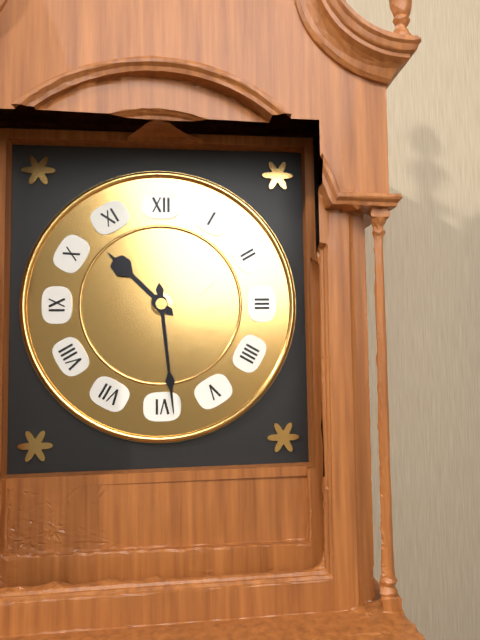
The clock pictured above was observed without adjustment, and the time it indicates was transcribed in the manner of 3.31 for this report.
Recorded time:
10.29
